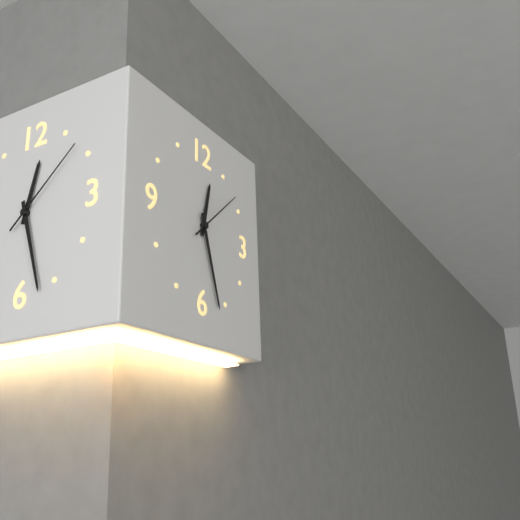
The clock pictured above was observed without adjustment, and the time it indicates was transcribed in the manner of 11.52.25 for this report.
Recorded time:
12.27.08
